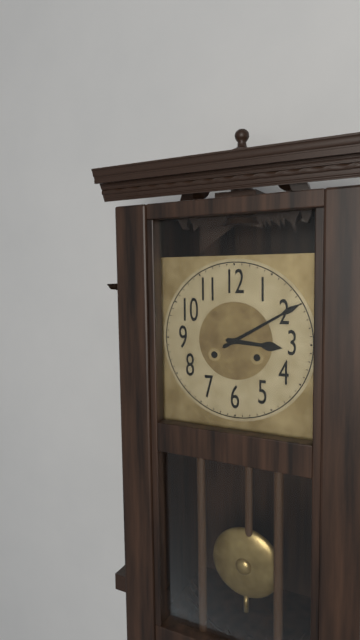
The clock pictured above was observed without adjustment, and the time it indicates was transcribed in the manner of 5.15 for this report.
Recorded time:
3.10
